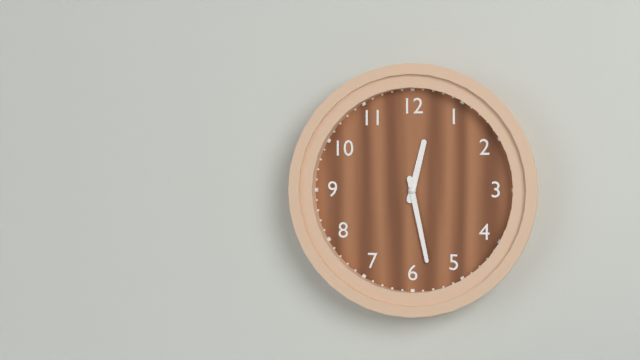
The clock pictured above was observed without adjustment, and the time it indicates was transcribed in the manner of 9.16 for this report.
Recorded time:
12.28
